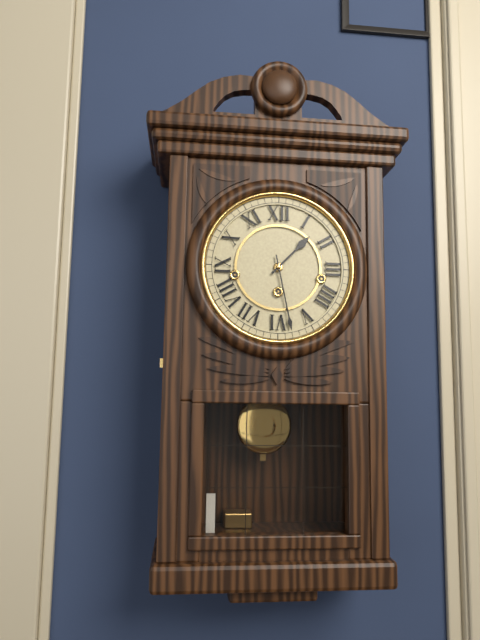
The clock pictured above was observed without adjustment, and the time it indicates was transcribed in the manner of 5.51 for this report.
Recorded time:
1.28
